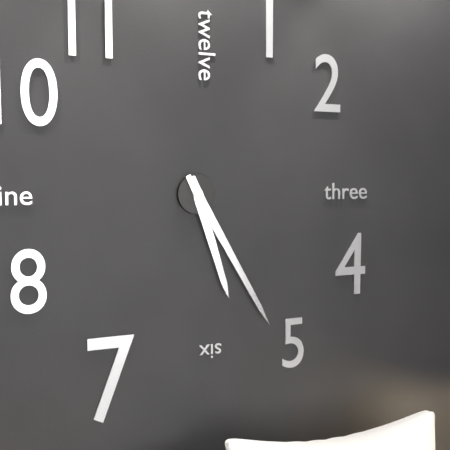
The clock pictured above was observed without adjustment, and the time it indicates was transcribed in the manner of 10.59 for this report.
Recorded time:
5.25
